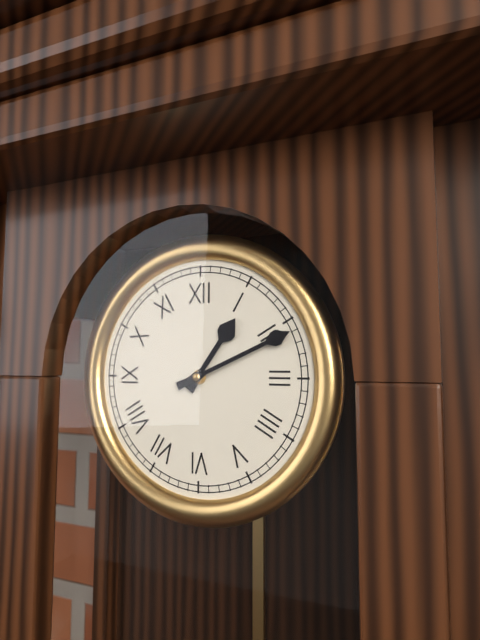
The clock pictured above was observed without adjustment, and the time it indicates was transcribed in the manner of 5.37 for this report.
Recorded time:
1.11
